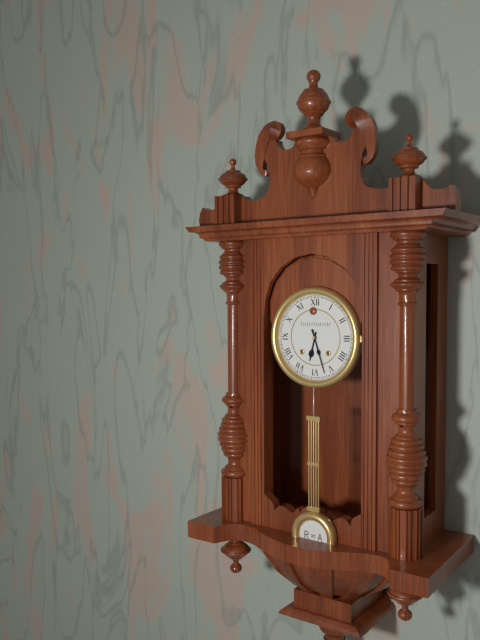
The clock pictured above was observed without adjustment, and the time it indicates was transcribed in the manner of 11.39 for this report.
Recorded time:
6.27
